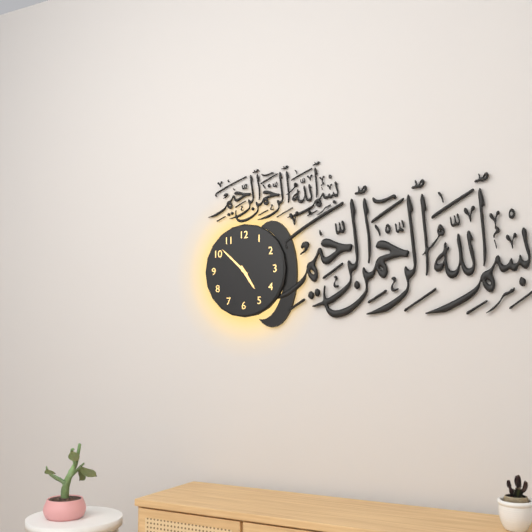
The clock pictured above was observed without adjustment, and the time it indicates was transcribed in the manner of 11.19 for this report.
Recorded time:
4.52
